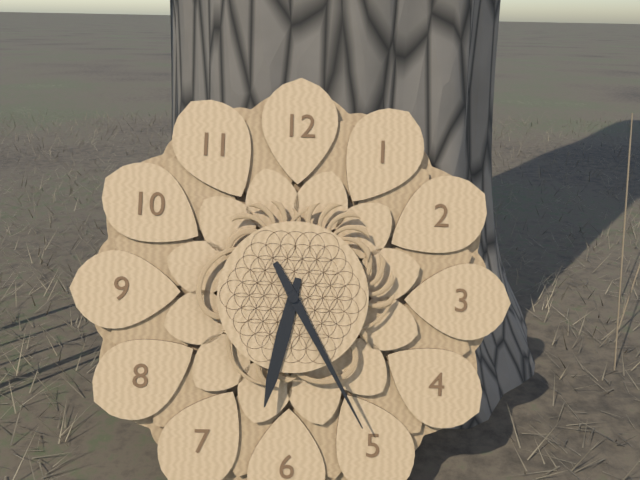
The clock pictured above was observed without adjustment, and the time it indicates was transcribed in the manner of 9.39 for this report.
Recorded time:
6.25
